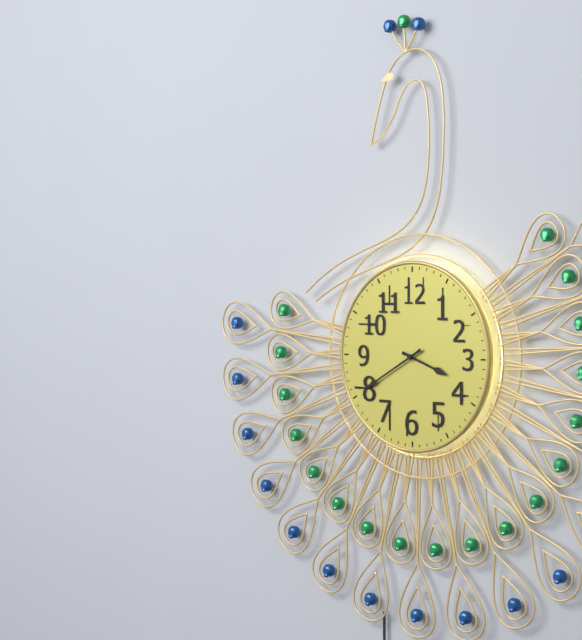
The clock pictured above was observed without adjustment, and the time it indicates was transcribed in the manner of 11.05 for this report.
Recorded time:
3.40
